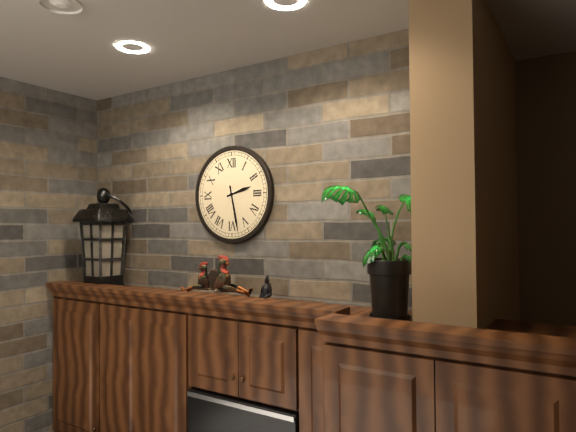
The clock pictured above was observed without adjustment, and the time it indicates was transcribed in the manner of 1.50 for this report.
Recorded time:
2.28
